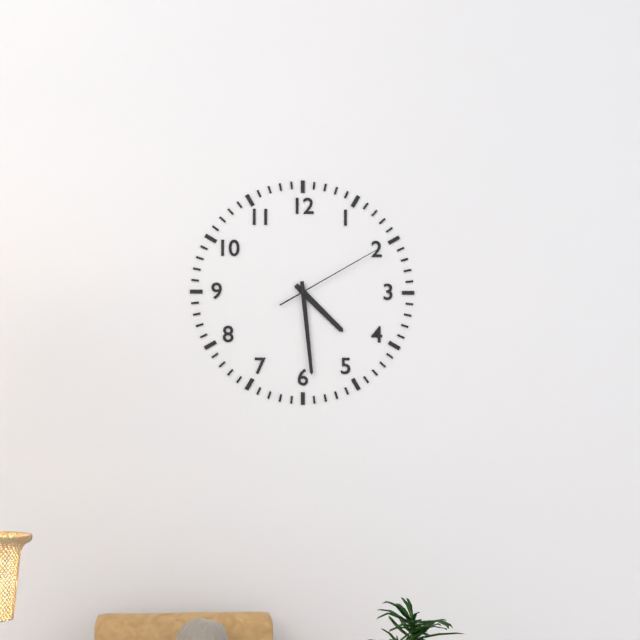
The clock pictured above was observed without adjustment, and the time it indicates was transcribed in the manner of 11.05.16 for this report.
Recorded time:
4.29.10
